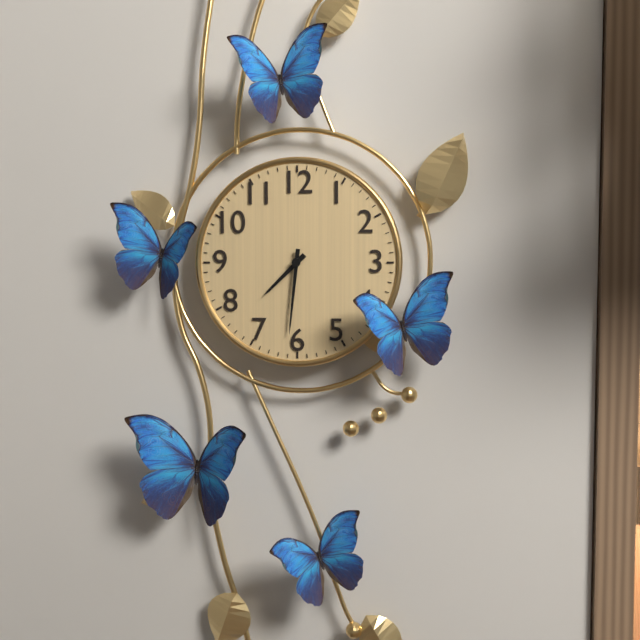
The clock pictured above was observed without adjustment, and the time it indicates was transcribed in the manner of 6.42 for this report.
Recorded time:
7.31
